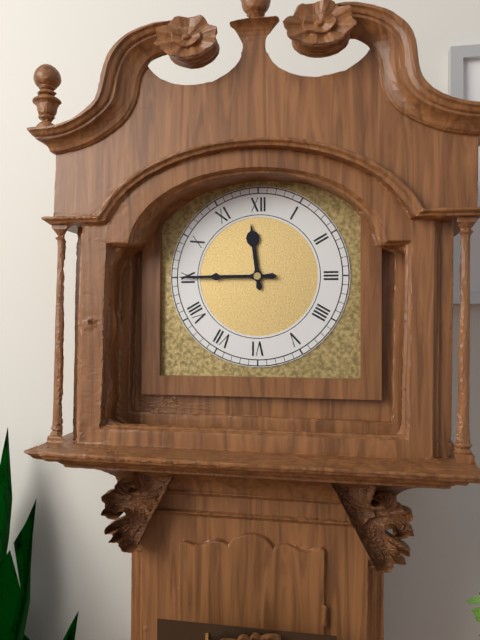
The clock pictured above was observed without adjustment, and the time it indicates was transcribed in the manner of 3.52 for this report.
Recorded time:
11.45
